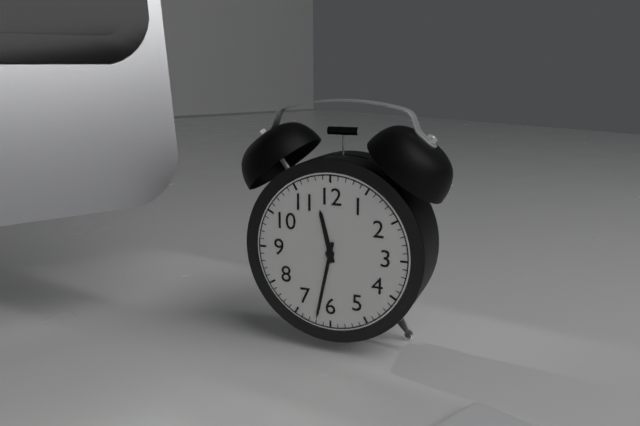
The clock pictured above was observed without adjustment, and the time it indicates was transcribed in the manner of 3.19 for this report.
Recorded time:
11.32
